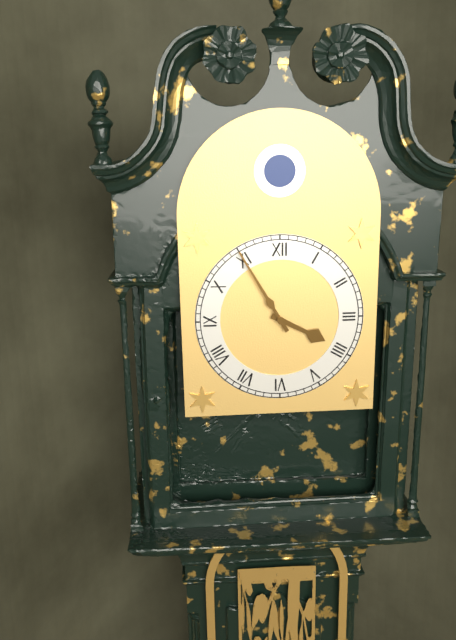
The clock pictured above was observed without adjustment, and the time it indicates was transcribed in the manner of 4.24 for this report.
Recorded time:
3.55
